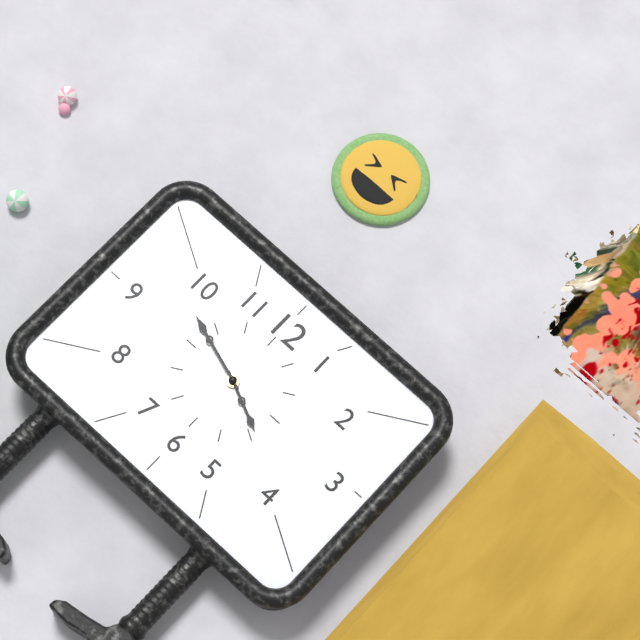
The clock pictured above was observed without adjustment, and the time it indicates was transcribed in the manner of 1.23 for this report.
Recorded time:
3.48
